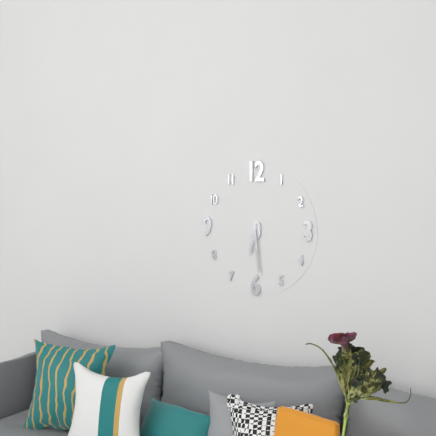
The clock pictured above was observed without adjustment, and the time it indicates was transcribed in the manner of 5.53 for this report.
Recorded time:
6.29
